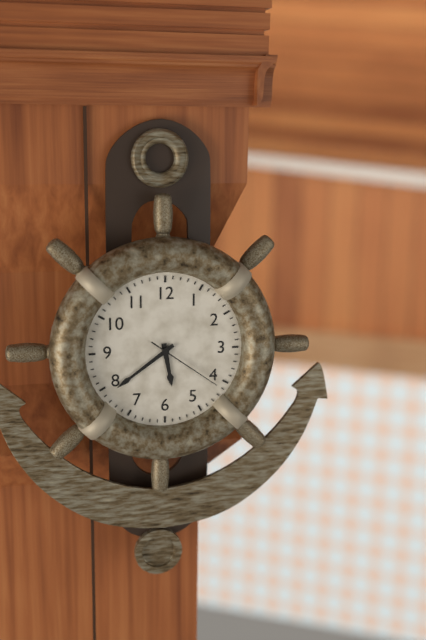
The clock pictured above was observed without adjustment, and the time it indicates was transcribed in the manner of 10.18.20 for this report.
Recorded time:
5.39.21
